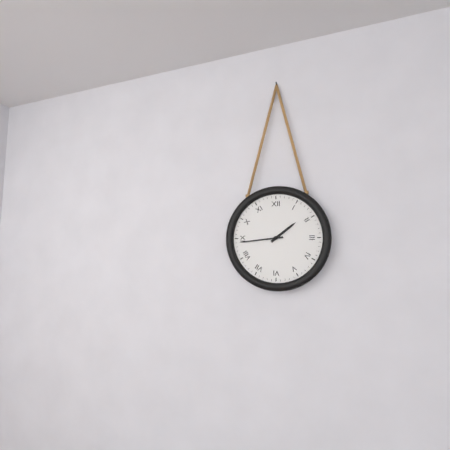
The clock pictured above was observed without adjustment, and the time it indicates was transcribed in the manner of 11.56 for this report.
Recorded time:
1.44
